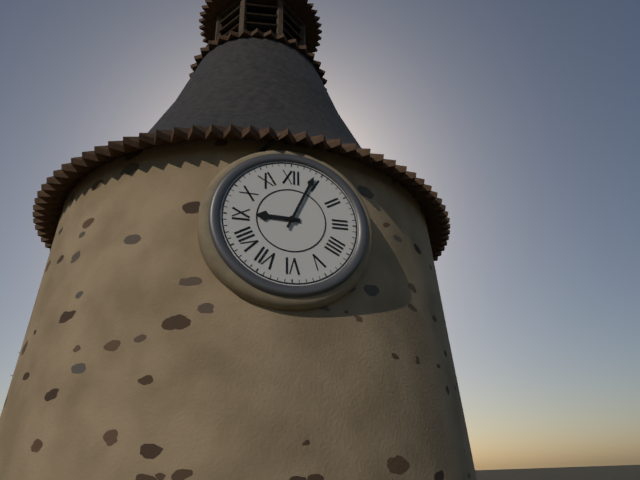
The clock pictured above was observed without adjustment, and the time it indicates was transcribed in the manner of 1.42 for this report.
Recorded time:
9.04
